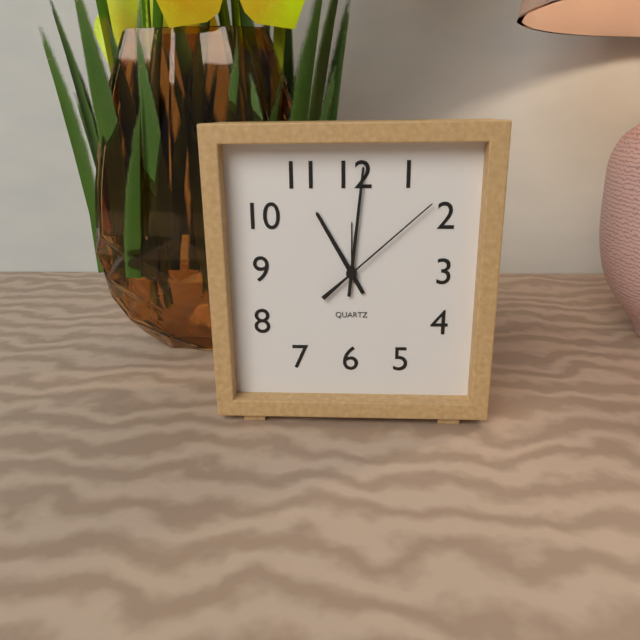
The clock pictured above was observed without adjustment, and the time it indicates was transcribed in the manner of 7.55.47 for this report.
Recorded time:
11.01.08
